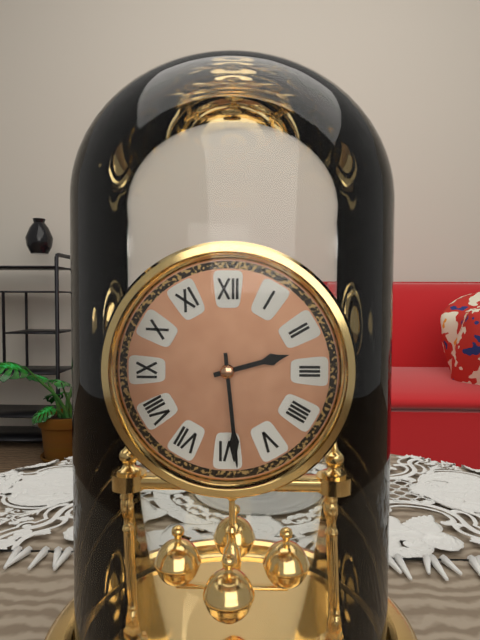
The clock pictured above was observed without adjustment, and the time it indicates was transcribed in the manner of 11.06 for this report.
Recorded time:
2.29
